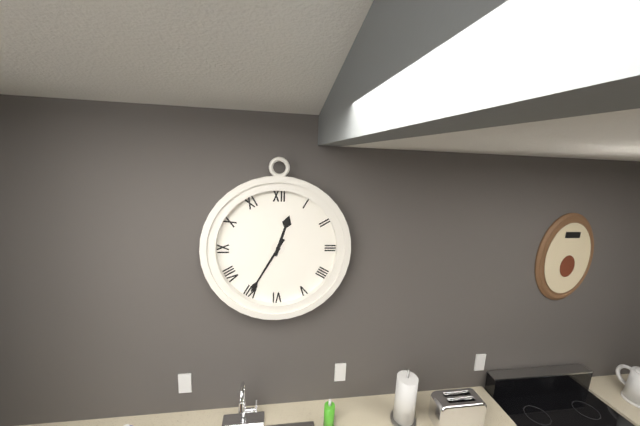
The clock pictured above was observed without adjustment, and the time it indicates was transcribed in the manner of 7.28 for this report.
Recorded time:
12.35
